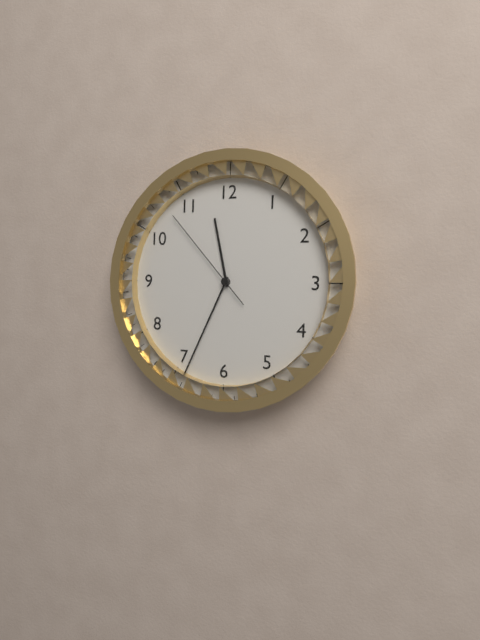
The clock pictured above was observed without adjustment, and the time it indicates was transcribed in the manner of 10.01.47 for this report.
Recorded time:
11.34.53
